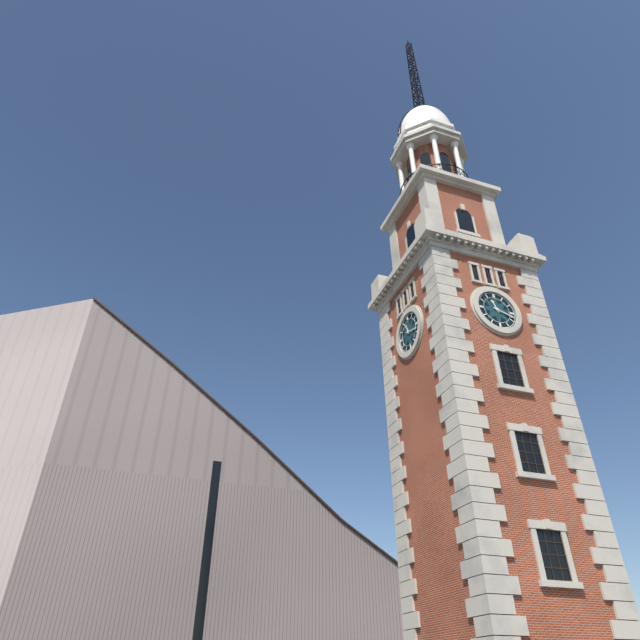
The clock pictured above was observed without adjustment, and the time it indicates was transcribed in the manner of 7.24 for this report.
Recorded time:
11.18
